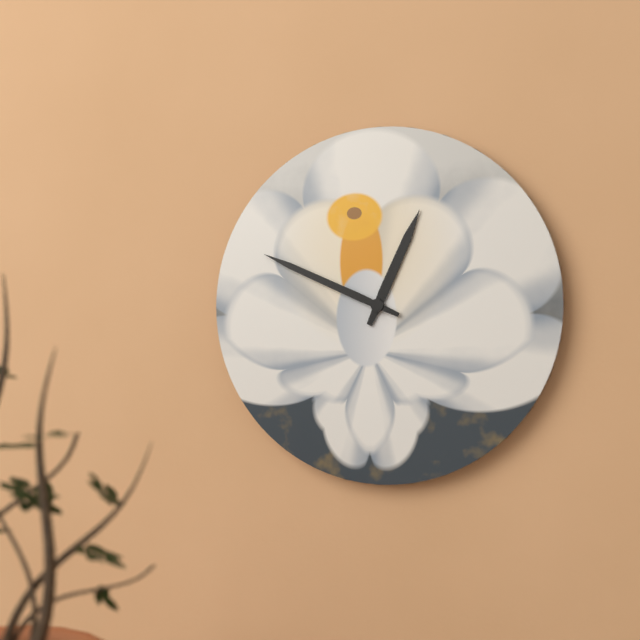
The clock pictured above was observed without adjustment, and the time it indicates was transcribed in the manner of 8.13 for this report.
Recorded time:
12.49
